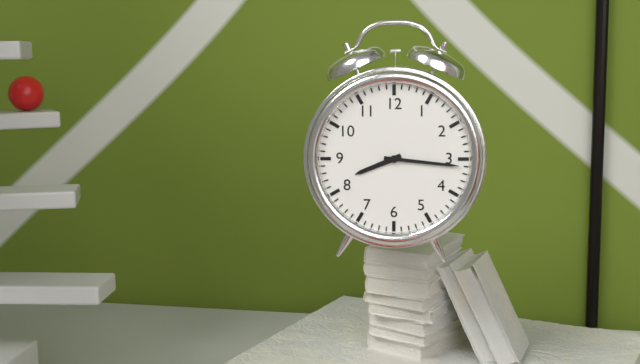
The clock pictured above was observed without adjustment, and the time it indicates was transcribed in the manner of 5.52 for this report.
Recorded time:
8.16
